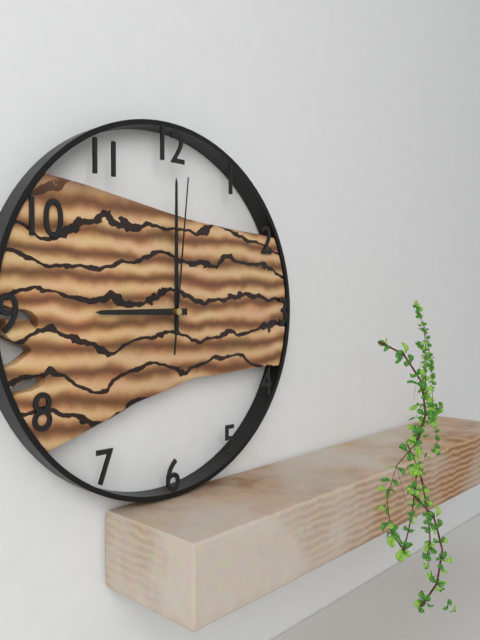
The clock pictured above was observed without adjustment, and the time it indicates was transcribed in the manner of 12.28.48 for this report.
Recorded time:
9.00.01
